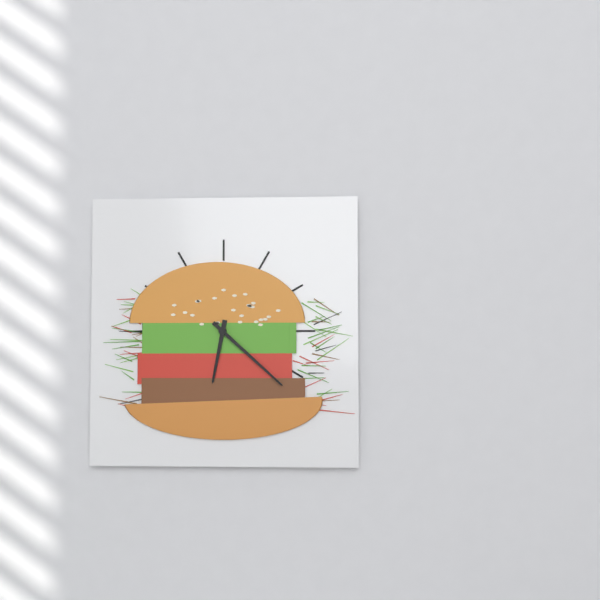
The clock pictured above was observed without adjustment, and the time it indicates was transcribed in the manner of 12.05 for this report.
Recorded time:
6.22
